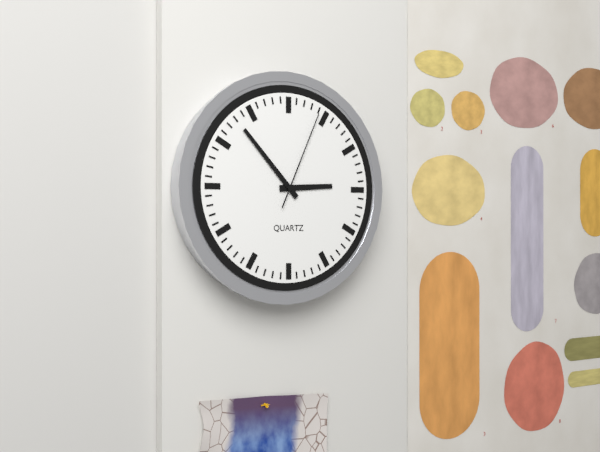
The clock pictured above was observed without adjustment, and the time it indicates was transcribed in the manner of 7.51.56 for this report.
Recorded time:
2.53.04
